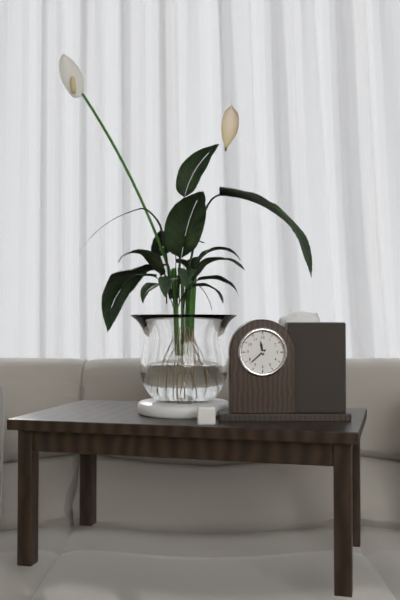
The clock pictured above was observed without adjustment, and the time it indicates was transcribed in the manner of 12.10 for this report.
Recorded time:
11.38
